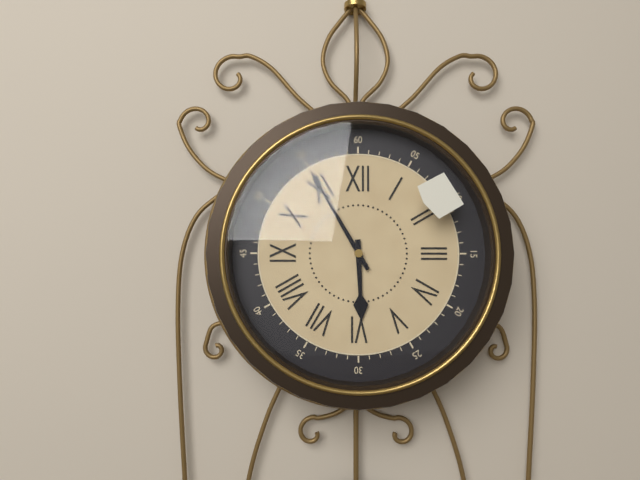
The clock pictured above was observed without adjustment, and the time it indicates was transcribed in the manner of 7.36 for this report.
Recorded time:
5.55
